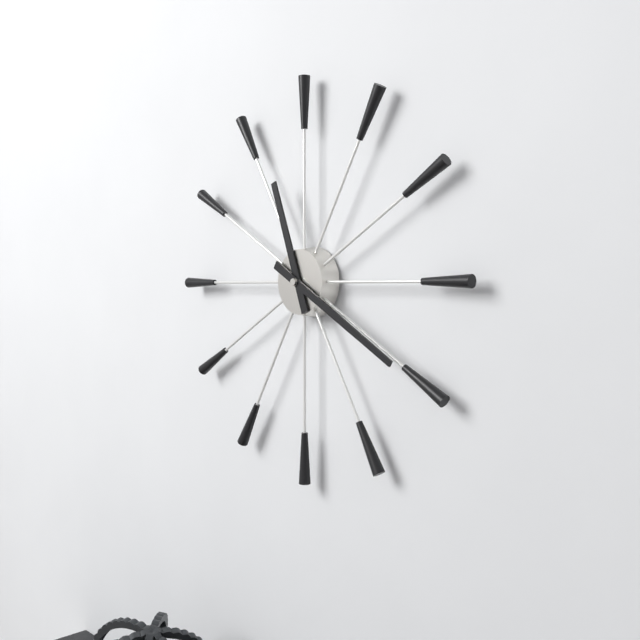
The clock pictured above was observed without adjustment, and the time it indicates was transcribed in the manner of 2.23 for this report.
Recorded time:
11.20
